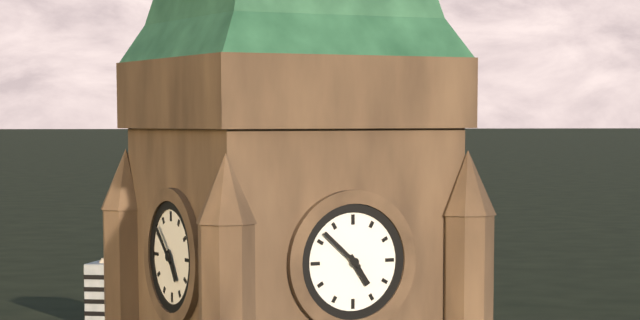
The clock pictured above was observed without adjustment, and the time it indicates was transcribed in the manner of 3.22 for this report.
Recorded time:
4.52
